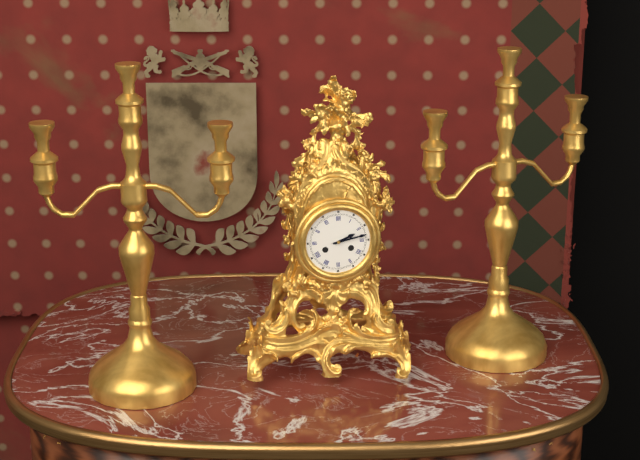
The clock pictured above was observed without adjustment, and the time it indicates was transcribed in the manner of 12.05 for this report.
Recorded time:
2.13
